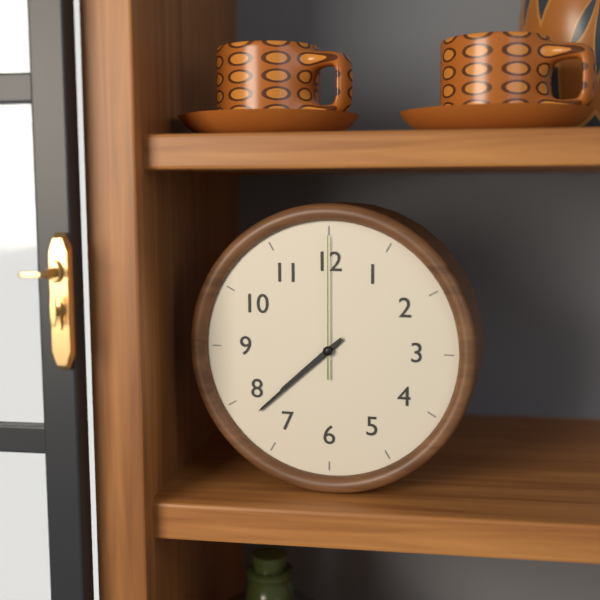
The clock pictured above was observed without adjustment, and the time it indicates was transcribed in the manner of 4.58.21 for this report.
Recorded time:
7.38.00
